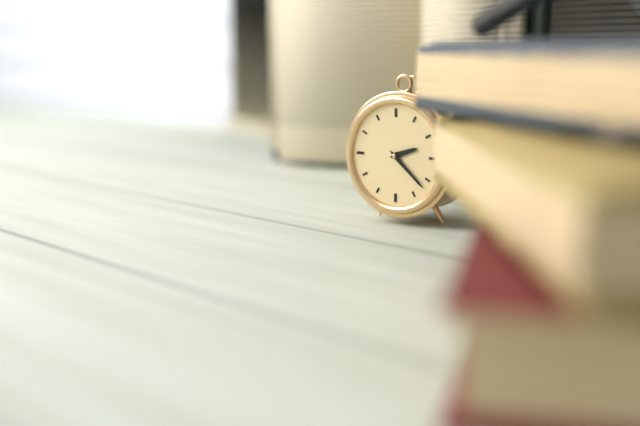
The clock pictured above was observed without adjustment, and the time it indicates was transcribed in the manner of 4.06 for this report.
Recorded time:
2.22
